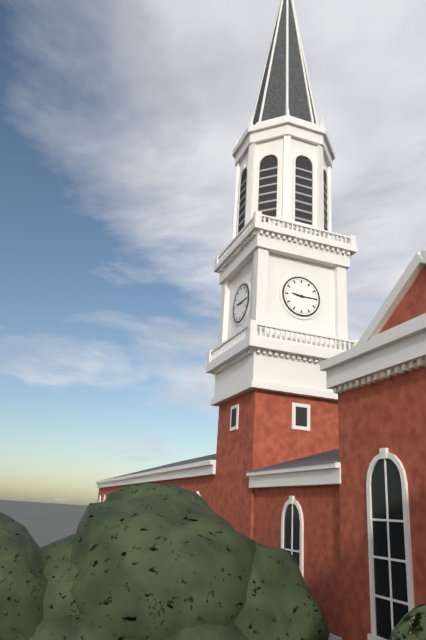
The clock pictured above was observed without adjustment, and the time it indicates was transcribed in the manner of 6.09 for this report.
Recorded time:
9.15
